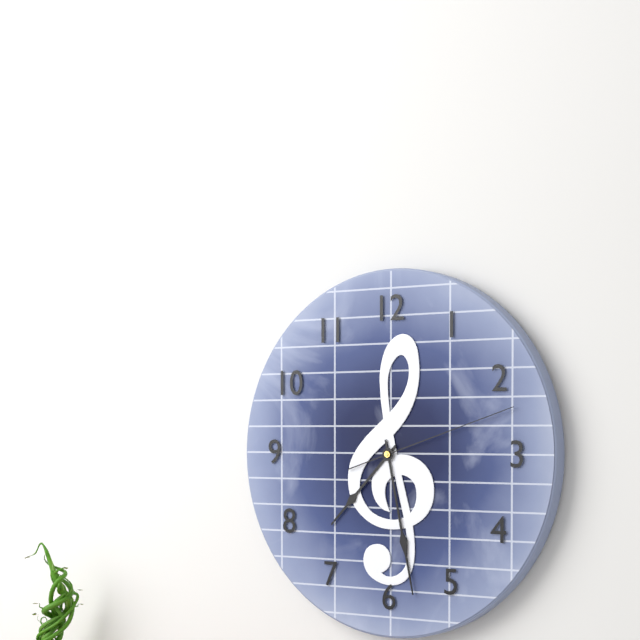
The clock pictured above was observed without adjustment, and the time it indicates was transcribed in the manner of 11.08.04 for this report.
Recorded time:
7.28.12
